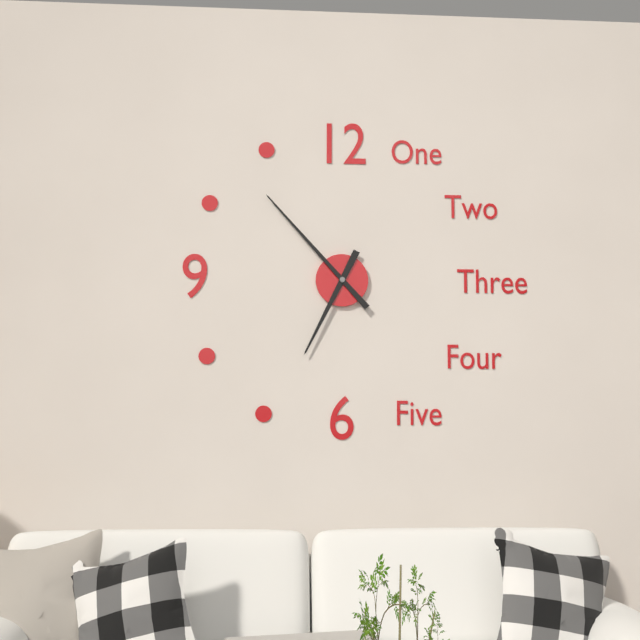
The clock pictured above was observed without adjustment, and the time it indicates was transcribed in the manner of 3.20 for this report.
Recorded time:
6.53
